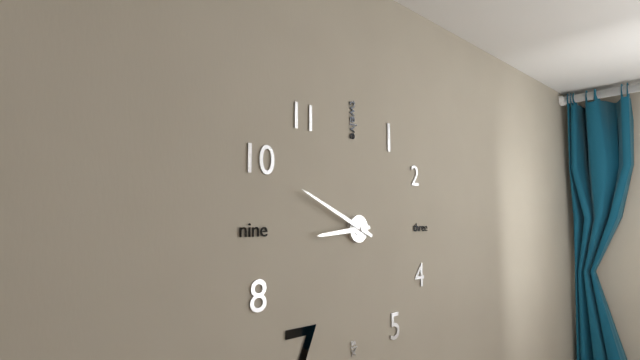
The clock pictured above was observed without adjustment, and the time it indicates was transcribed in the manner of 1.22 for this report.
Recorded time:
8.49
